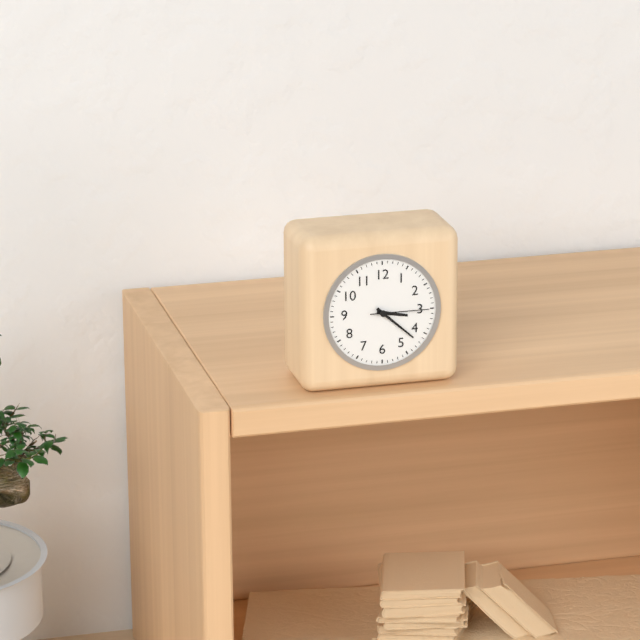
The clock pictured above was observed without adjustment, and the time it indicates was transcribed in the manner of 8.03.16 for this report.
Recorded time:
3.22.15
